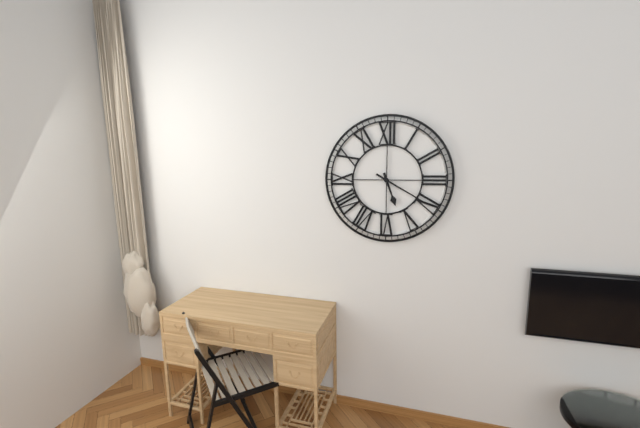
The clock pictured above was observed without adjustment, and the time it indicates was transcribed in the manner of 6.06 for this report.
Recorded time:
5.20
